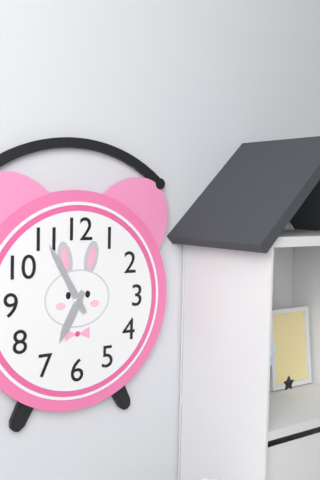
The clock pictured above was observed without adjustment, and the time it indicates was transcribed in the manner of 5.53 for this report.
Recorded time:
6.55
